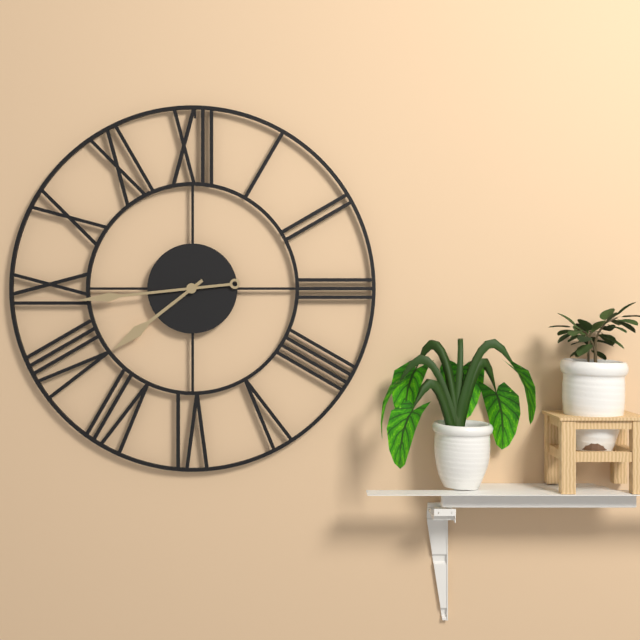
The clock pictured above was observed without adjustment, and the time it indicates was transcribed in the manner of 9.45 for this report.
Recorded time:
7.44
